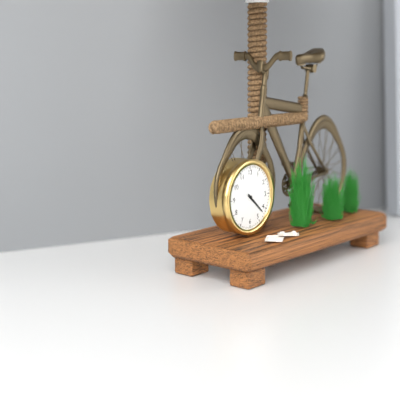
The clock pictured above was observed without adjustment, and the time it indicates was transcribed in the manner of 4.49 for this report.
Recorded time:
4.22
